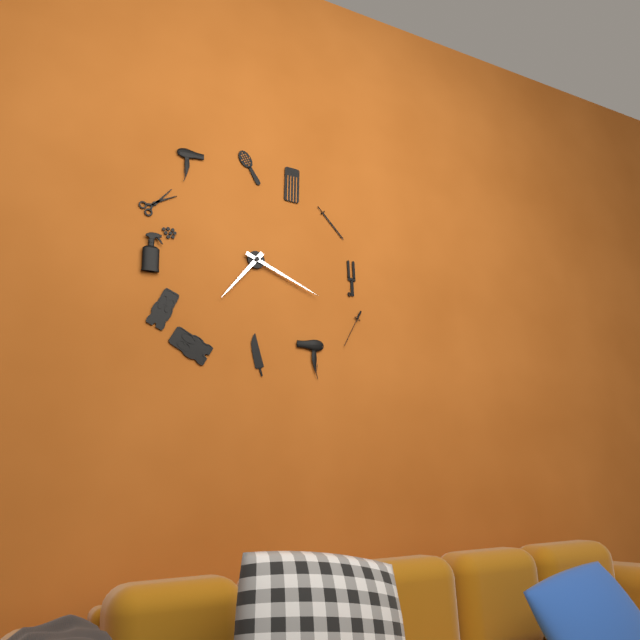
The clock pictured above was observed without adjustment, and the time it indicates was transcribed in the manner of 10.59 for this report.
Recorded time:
7.19
